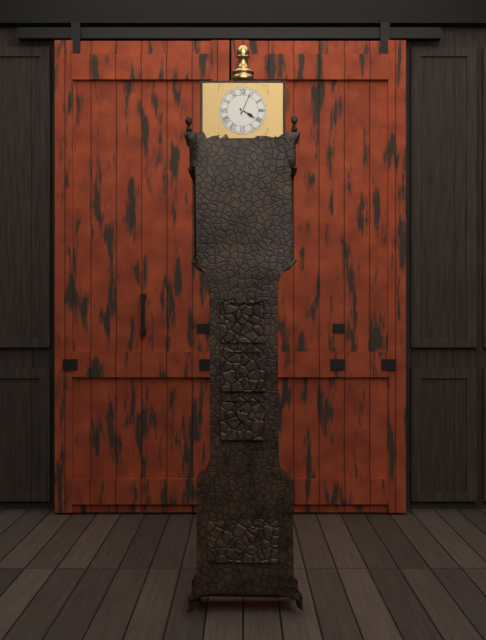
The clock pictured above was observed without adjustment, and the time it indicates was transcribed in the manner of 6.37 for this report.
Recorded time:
4.04
